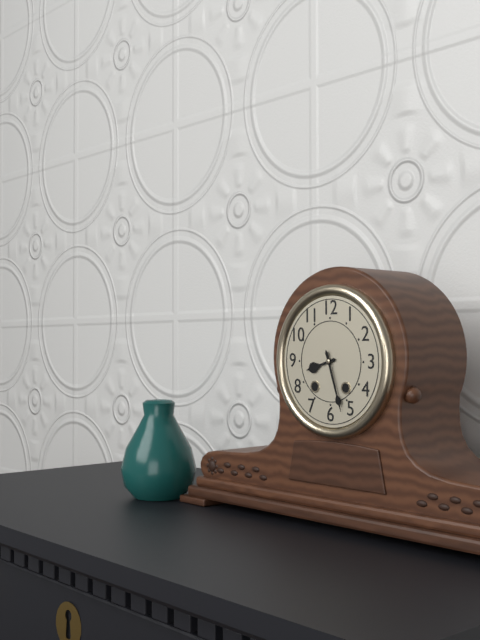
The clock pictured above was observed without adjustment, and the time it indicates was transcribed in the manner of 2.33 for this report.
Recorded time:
8.27
